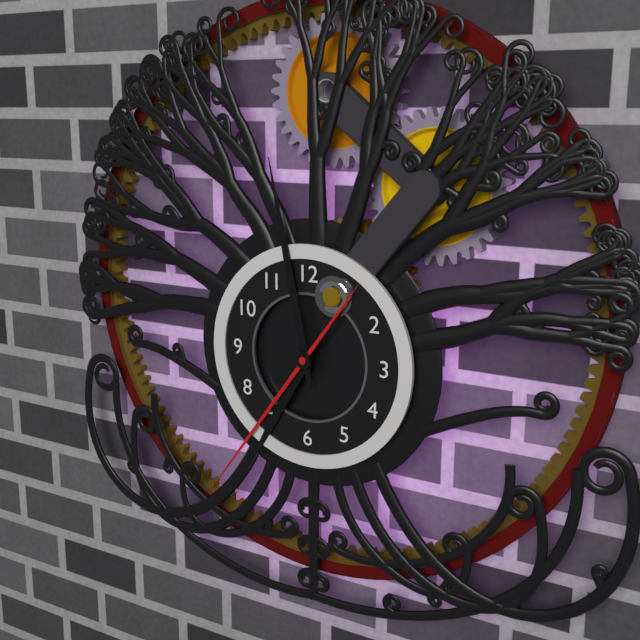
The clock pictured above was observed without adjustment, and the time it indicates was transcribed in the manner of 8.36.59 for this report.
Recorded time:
6.58.36
